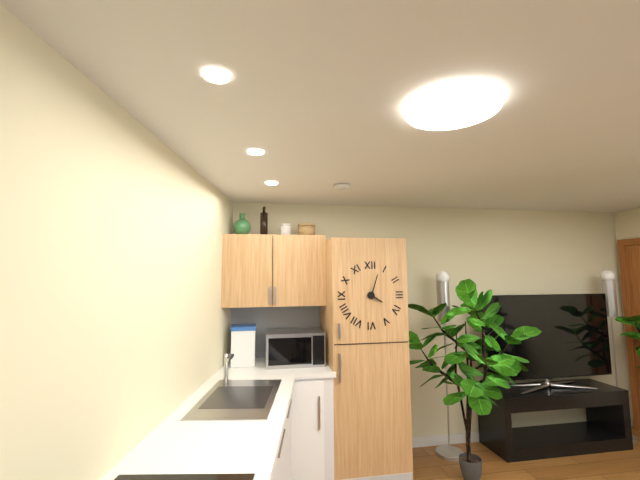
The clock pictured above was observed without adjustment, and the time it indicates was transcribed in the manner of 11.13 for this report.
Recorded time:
4.03
